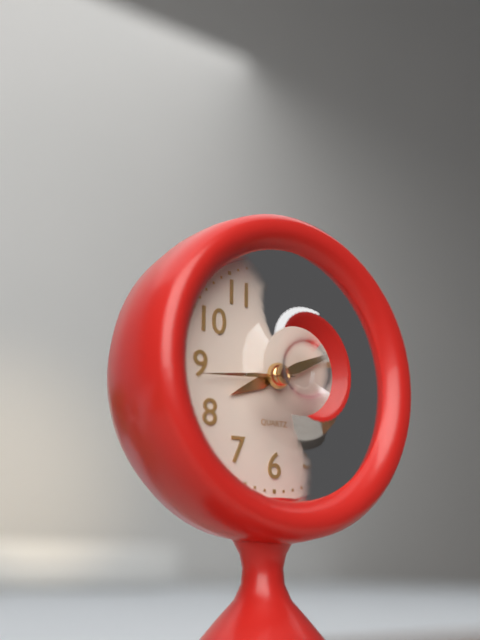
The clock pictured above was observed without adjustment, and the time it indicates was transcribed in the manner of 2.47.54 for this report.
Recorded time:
8.11.44
